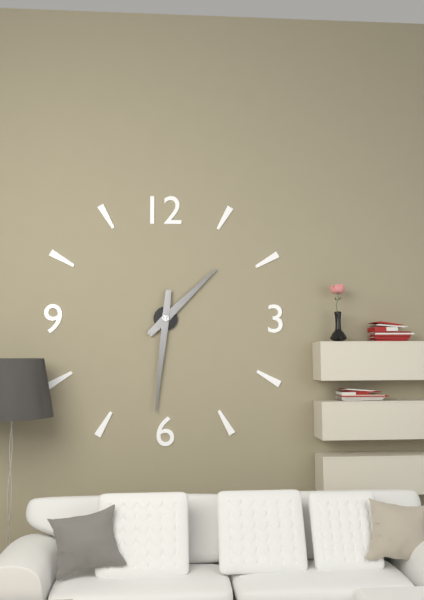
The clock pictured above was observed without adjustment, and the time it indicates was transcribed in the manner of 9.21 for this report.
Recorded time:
1.31
